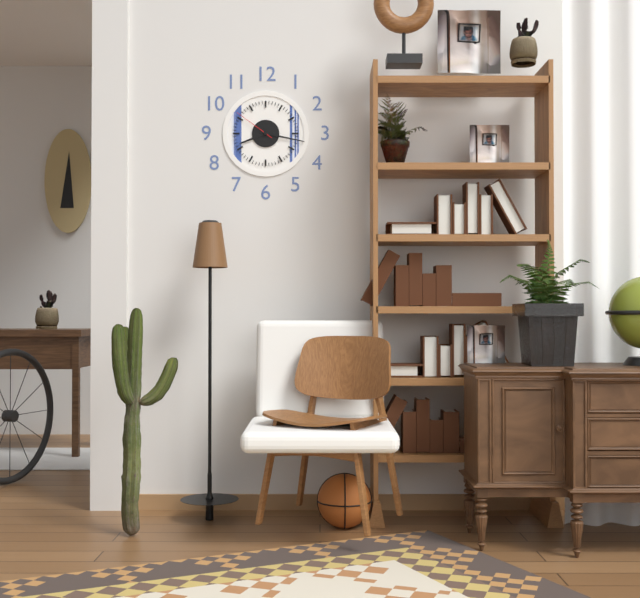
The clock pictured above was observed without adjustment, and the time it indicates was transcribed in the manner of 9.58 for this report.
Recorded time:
8.17
